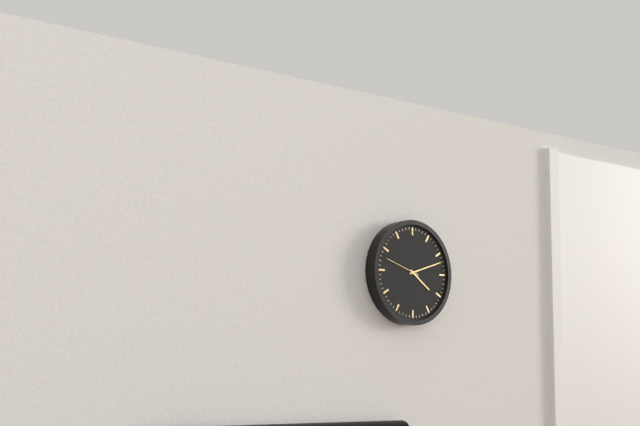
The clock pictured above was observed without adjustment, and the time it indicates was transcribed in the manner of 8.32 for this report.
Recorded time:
4.12
